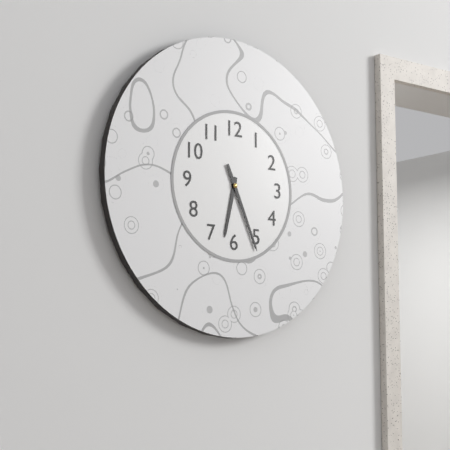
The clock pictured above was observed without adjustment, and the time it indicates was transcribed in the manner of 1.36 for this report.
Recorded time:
6.26
